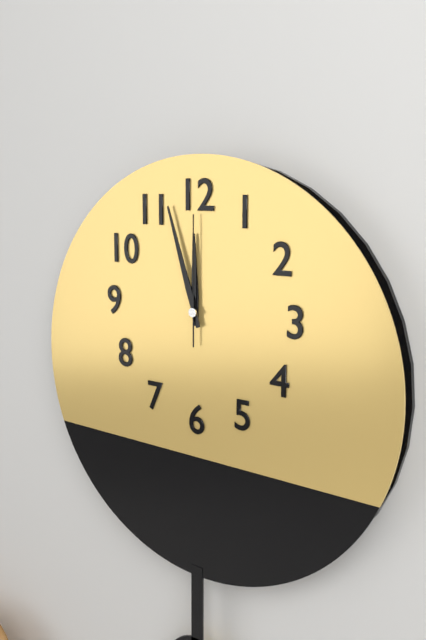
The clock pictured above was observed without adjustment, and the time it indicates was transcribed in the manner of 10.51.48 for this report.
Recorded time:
11.57.00
